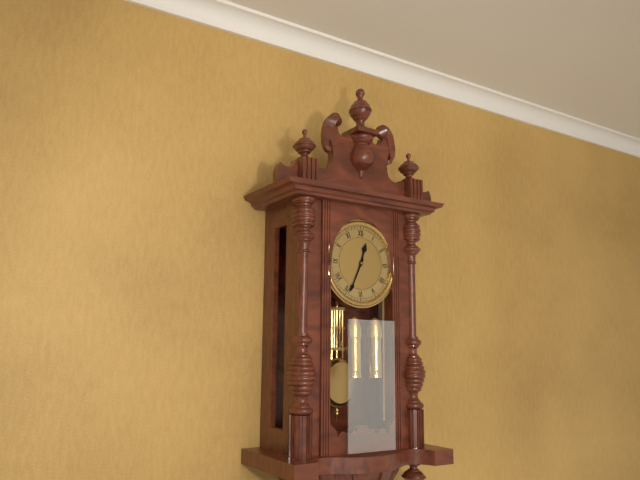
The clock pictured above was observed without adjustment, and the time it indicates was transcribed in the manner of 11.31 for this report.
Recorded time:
12.34
